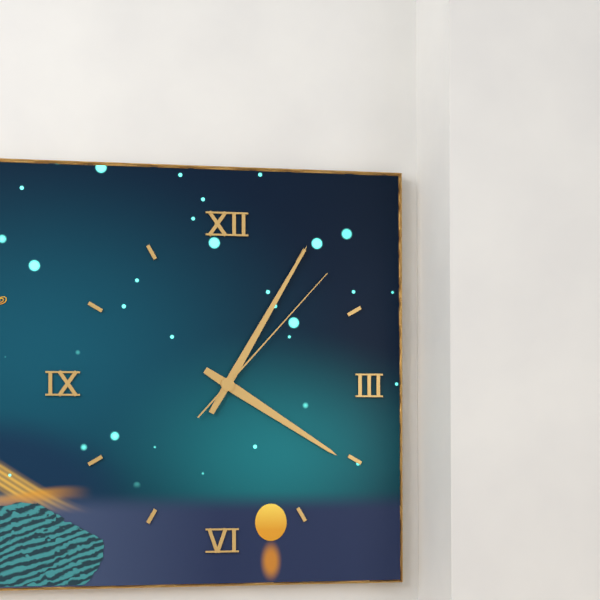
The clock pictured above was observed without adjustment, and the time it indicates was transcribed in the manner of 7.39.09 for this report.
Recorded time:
4.05.07
